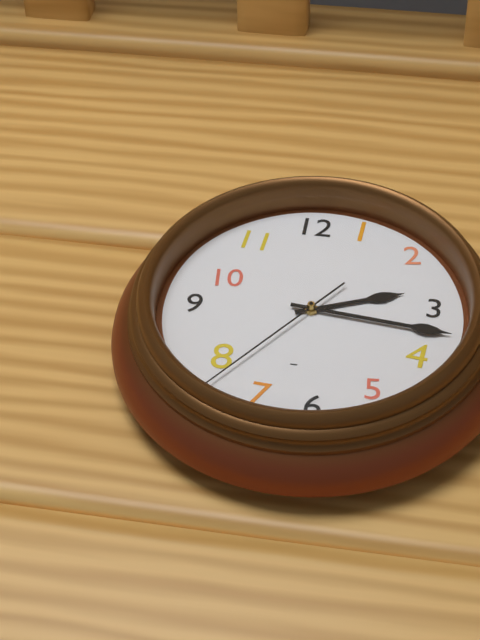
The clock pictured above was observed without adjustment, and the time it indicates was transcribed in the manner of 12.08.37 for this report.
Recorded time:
2.16.36
